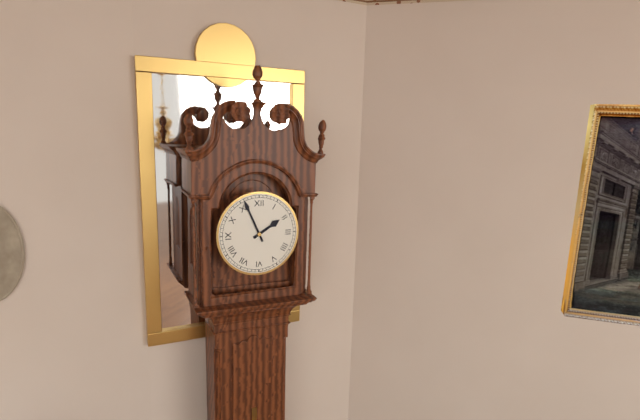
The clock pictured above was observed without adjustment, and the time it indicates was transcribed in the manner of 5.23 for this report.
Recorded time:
1.56
